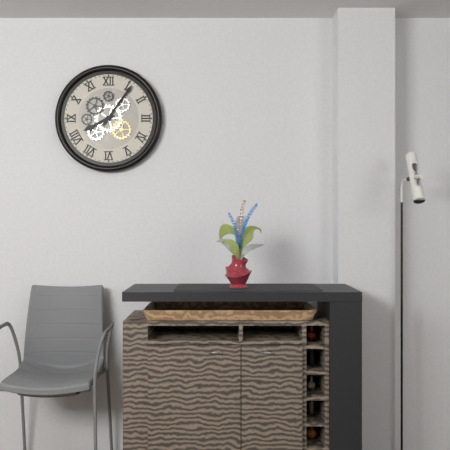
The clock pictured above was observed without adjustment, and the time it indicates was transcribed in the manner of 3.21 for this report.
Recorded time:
8.06
